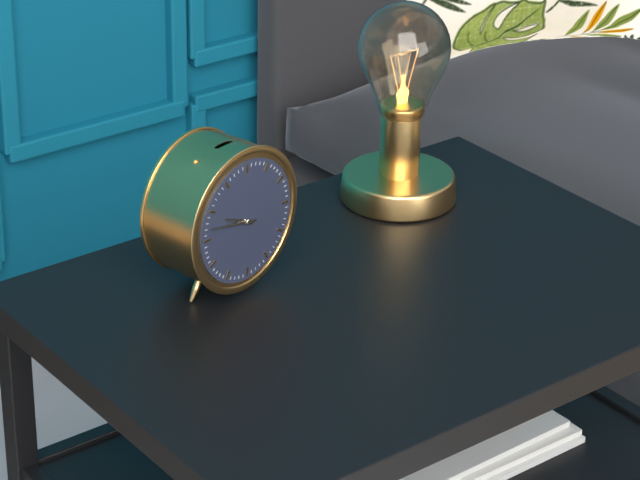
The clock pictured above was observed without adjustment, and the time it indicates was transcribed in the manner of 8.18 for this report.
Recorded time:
9.47
